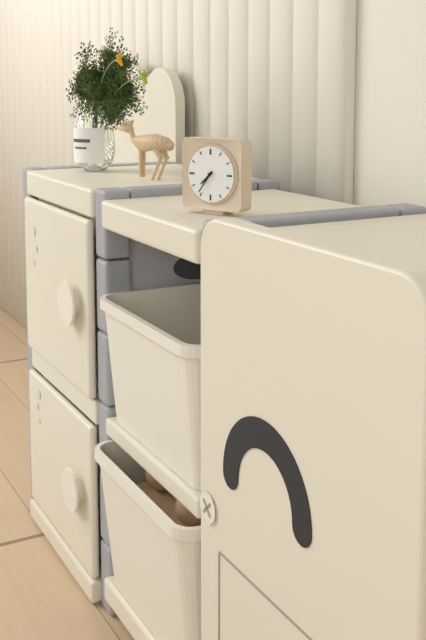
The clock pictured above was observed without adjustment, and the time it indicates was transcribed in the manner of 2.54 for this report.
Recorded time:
7.36
